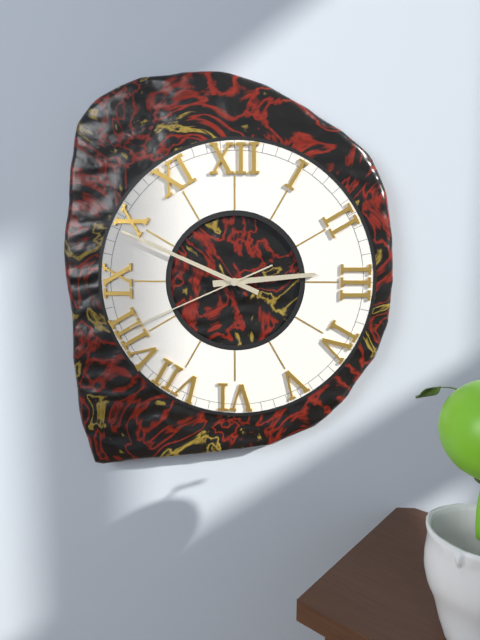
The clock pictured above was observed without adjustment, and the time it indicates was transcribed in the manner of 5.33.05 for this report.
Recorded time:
2.49.41
